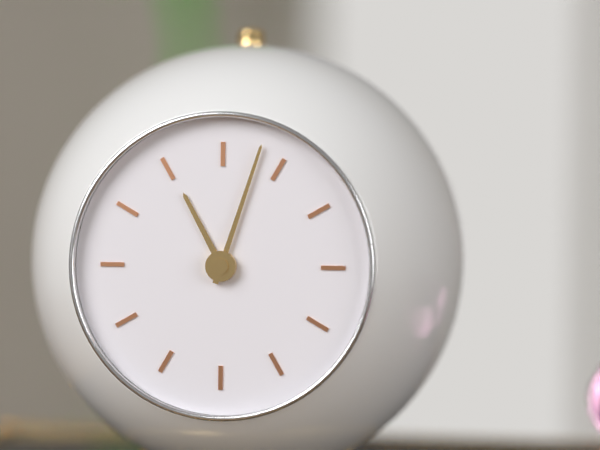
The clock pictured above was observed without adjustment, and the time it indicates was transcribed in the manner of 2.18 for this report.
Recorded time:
11.03
